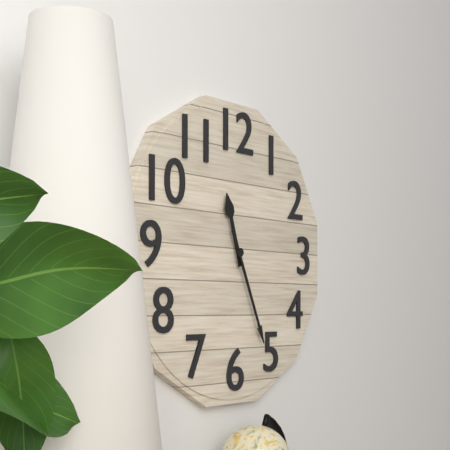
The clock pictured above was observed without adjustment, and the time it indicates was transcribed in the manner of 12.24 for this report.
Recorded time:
11.26
